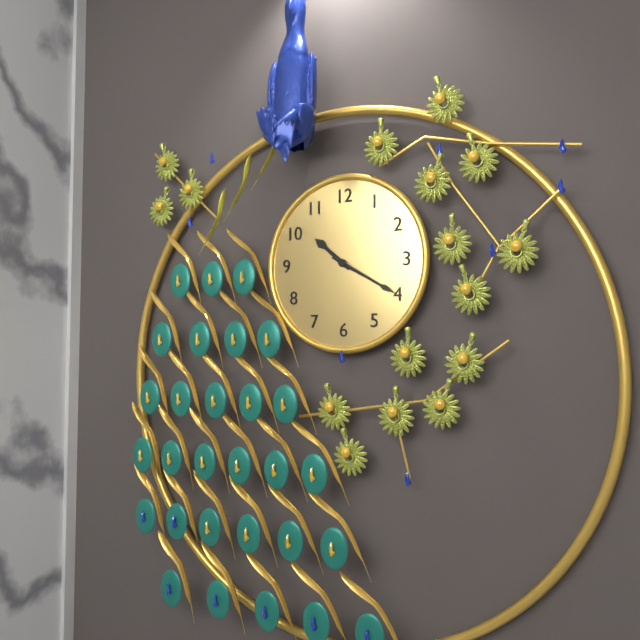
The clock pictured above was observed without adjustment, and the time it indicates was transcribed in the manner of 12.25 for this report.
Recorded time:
10.20
